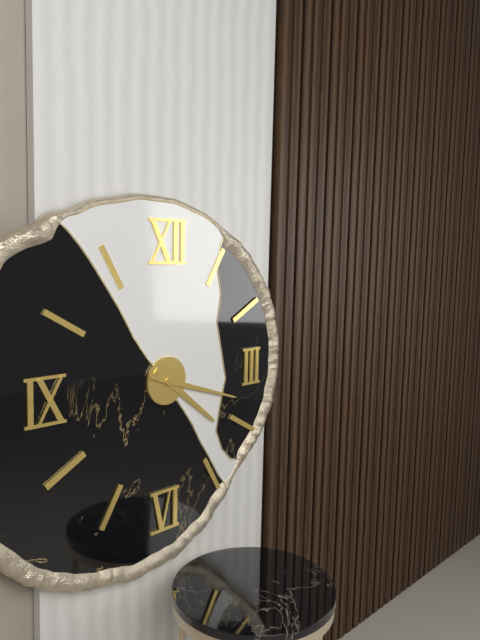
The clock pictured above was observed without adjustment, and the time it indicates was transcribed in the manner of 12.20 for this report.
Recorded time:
4.18
